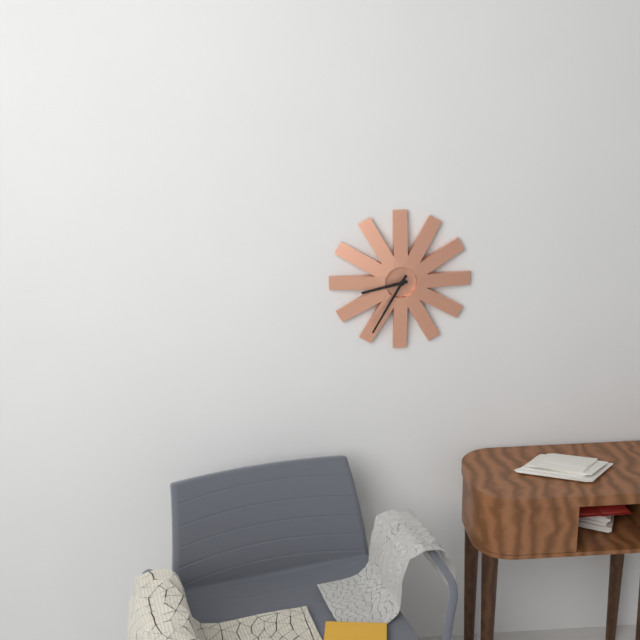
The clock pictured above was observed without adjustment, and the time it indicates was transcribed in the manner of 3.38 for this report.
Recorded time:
8.35
